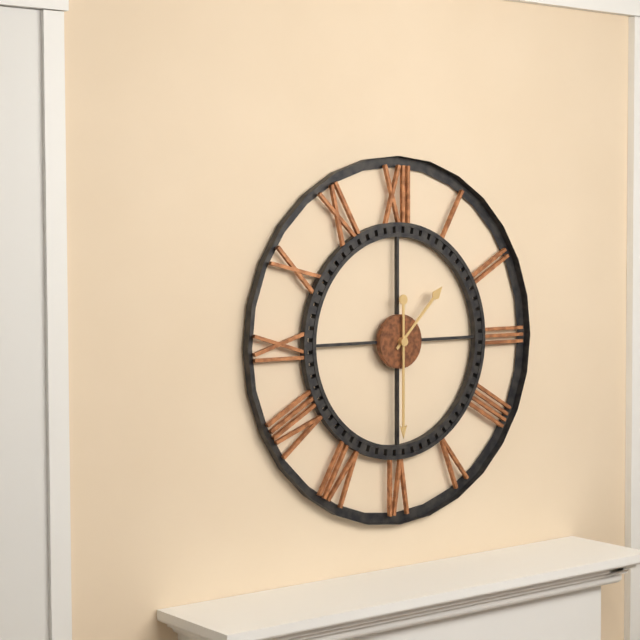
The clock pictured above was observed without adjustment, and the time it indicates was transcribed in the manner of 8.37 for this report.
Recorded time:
1.30
